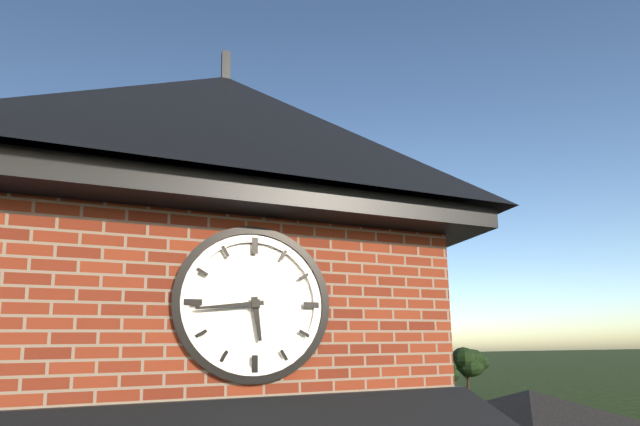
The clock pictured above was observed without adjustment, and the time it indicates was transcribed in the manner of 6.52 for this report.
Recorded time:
5.44
